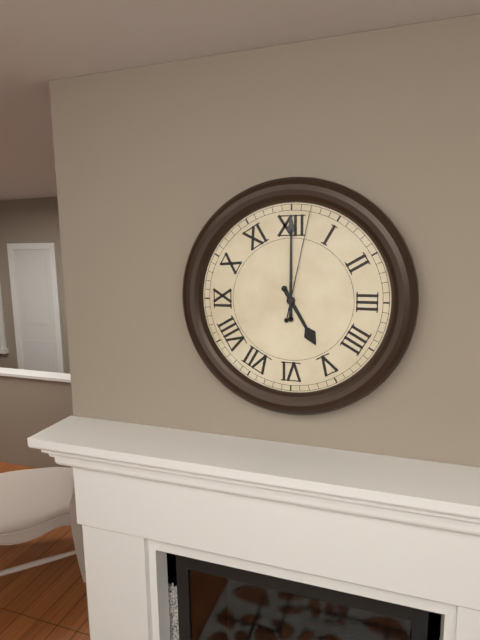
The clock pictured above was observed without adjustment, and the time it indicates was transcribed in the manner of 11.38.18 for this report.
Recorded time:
5.00.02
